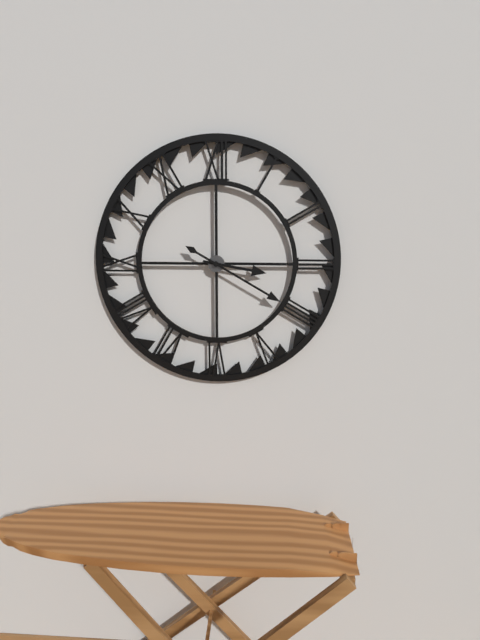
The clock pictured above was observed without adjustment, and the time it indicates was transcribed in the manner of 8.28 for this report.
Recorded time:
3.20
